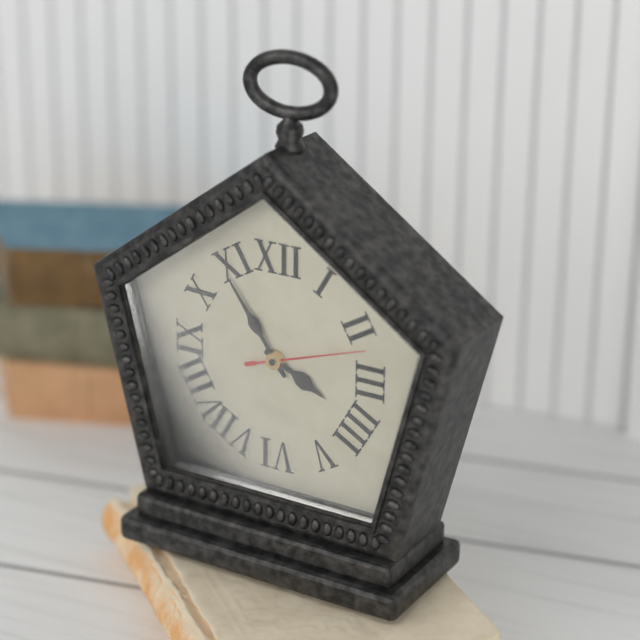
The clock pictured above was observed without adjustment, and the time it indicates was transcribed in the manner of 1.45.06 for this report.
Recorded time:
3.54.12
